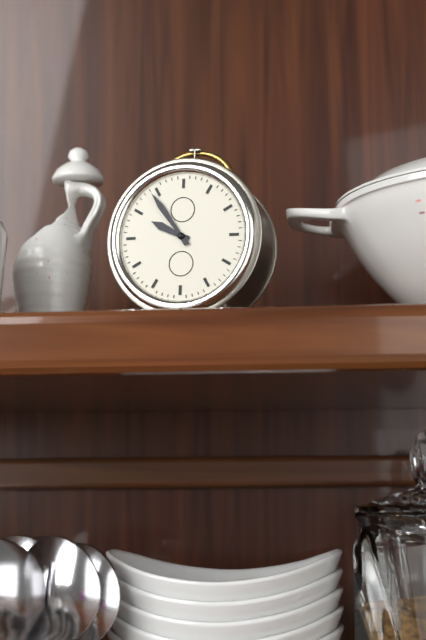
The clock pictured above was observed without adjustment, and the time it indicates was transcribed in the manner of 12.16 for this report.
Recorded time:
9.54
